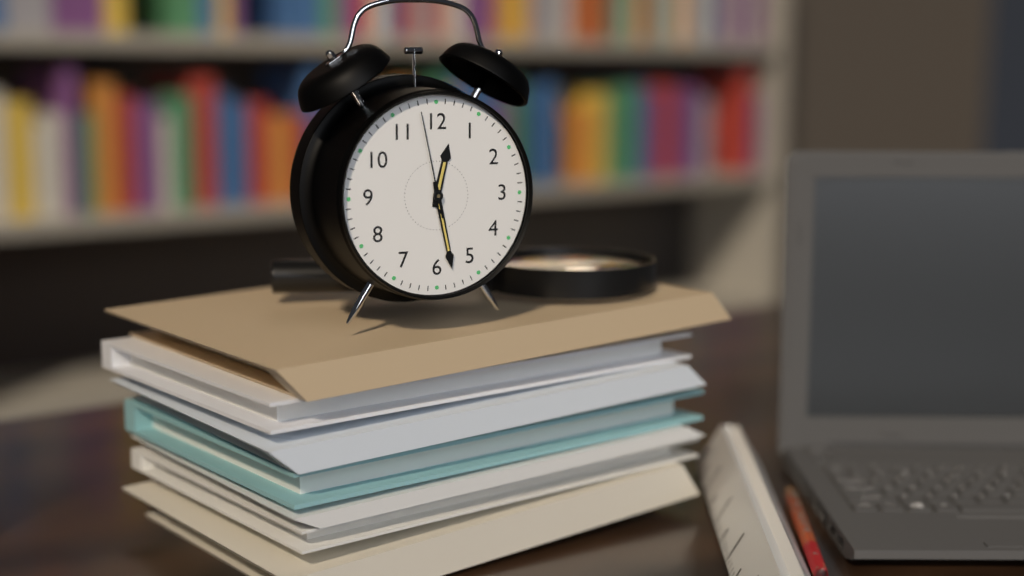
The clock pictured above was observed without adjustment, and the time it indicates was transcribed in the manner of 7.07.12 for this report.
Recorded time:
12.28.58
